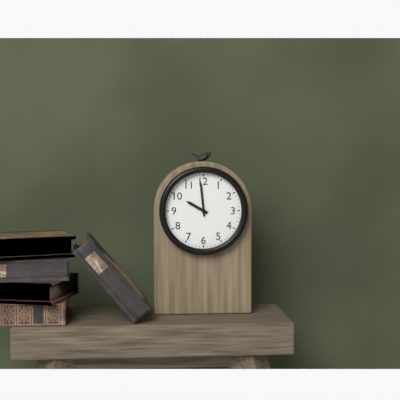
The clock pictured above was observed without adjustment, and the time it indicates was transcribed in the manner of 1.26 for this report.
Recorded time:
9.59
